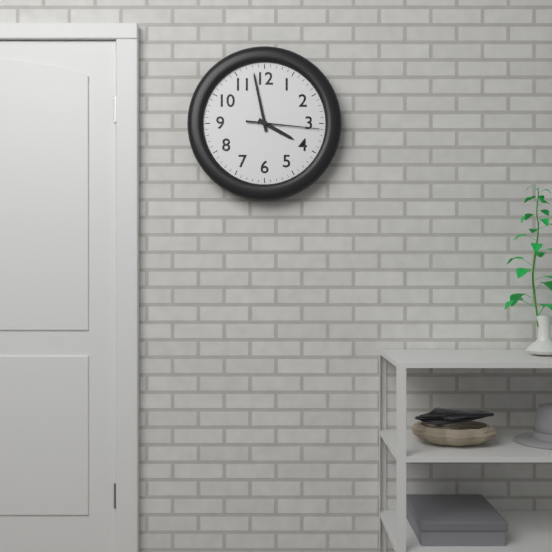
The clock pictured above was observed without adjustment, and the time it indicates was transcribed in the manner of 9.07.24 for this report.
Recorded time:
3.58.16
